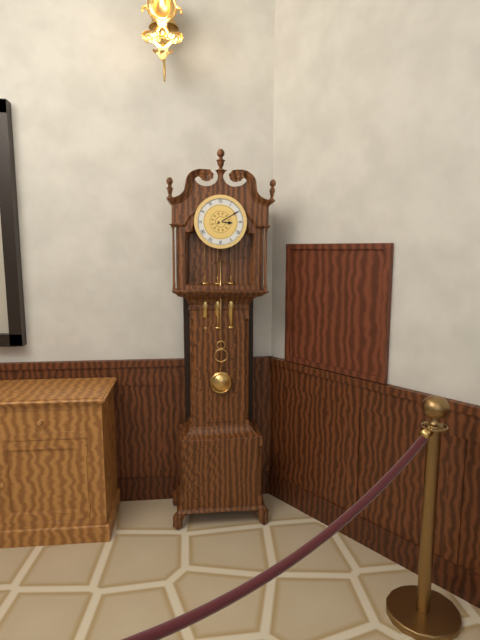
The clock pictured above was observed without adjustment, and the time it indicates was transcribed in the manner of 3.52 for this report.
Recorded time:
3.10
